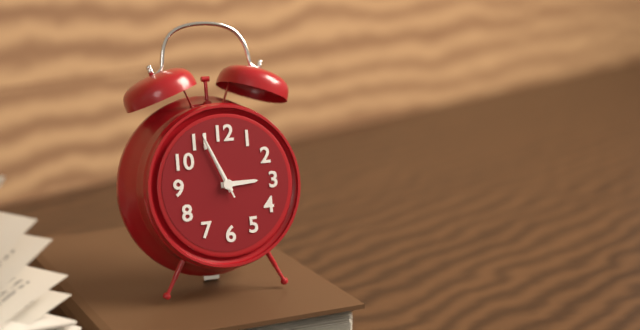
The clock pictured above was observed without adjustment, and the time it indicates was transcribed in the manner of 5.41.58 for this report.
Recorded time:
2.56.56
